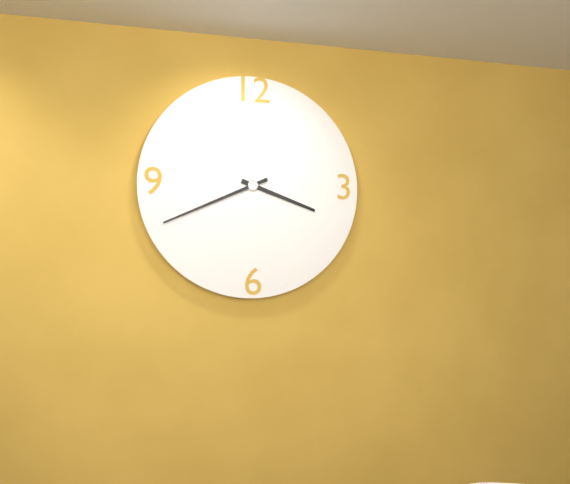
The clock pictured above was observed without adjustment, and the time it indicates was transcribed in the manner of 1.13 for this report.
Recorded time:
3.41
